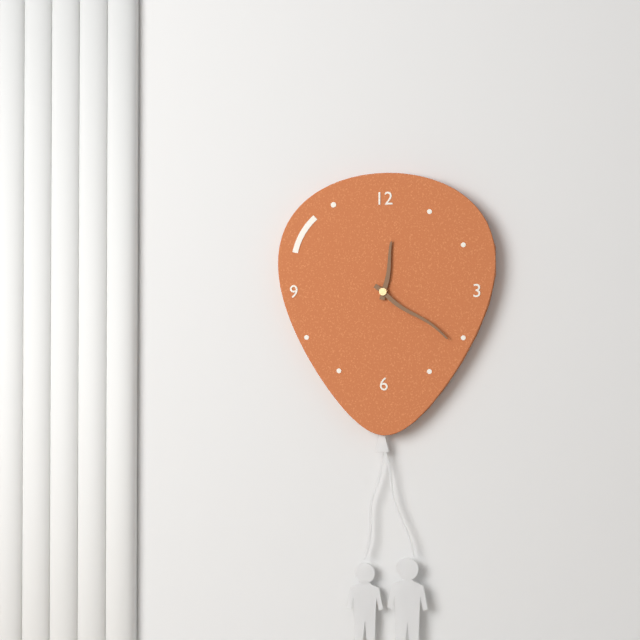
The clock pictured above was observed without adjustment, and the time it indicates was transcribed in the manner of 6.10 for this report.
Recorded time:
12.21
